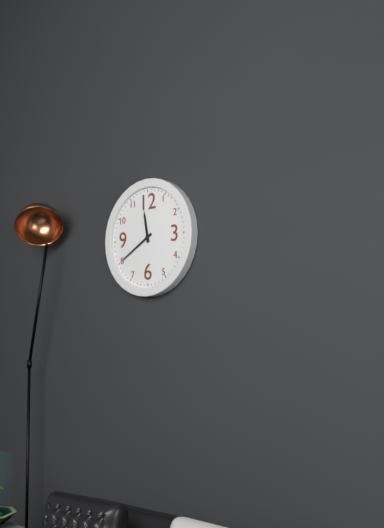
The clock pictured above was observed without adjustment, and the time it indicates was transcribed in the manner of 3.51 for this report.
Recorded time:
11.40
